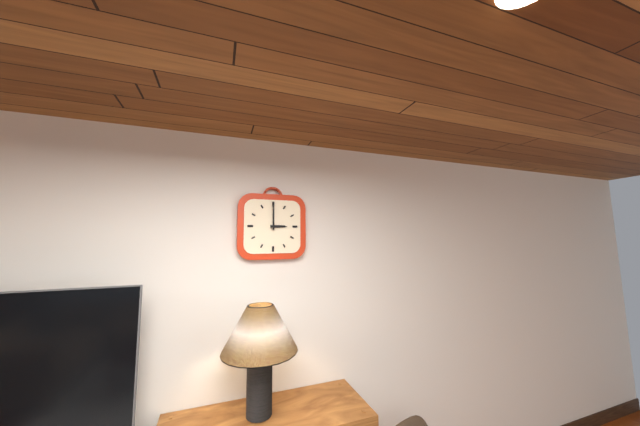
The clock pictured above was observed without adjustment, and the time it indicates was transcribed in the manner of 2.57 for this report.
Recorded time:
3.00
